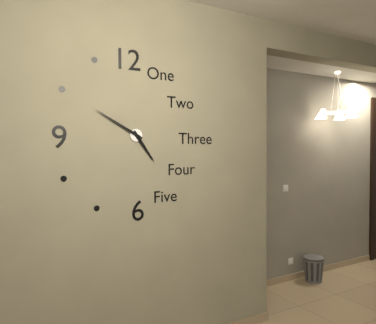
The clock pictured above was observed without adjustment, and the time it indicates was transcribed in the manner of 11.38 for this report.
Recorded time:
4.50
